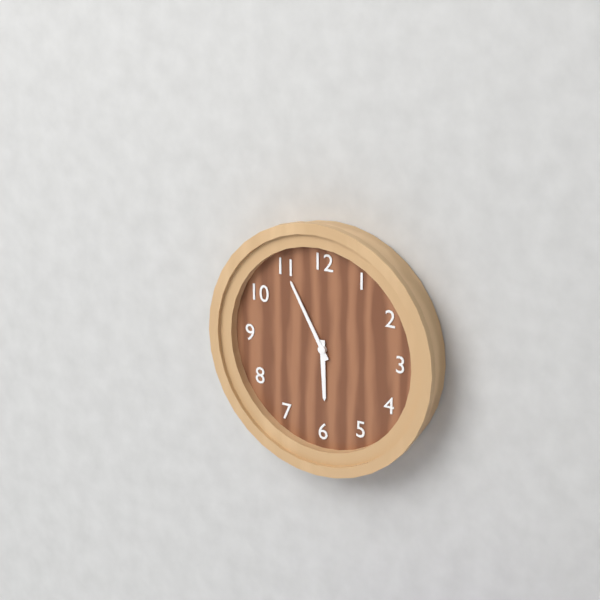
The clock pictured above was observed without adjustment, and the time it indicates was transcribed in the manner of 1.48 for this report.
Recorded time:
5.55
